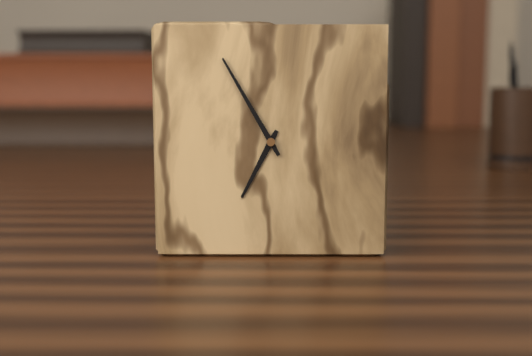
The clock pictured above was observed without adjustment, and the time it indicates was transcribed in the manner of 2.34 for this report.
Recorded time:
6.55
